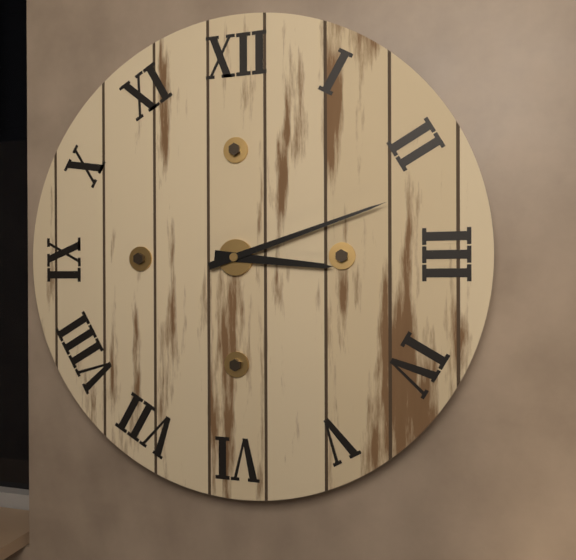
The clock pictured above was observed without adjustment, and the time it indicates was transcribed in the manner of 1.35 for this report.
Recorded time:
3.12
